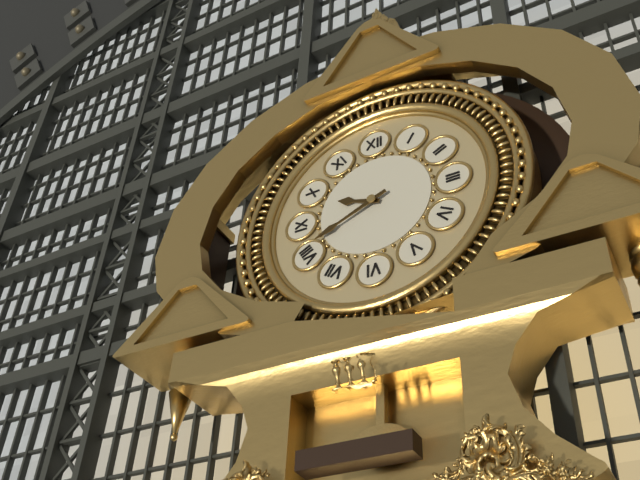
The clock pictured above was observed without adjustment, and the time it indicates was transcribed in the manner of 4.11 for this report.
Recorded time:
9.41
